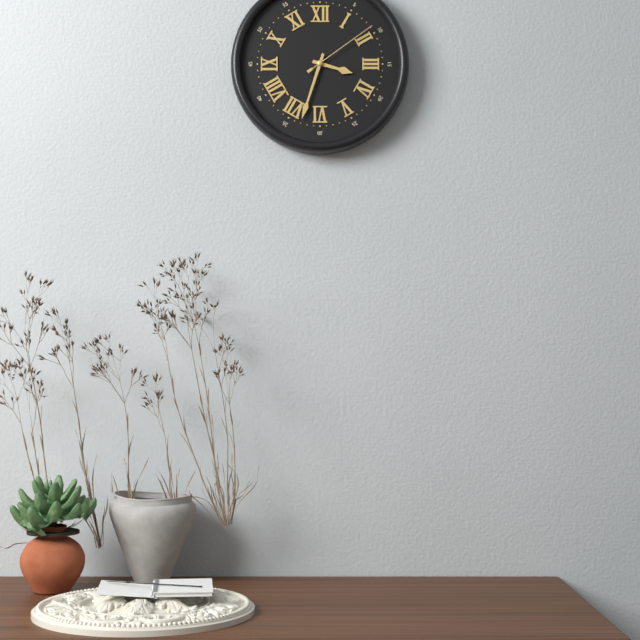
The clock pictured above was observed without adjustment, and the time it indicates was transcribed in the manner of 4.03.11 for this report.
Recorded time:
3.33.09
